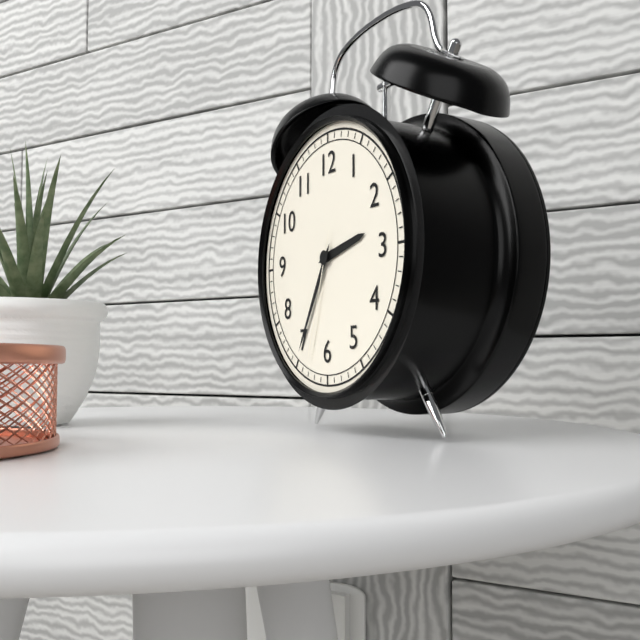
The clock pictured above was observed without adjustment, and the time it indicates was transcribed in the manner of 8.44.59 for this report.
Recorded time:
2.35.33
